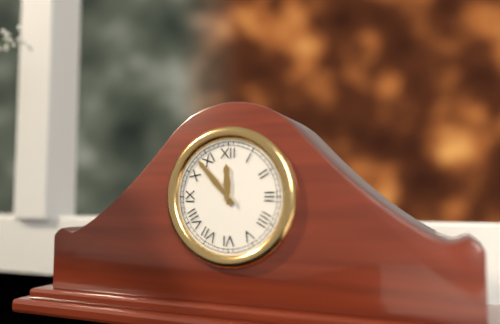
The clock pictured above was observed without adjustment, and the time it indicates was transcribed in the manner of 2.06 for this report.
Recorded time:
11.53
